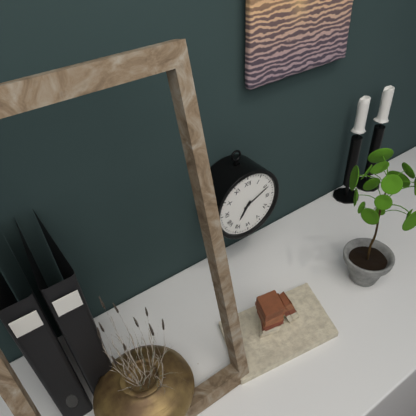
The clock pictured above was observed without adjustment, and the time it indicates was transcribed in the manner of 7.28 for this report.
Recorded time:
7.11
